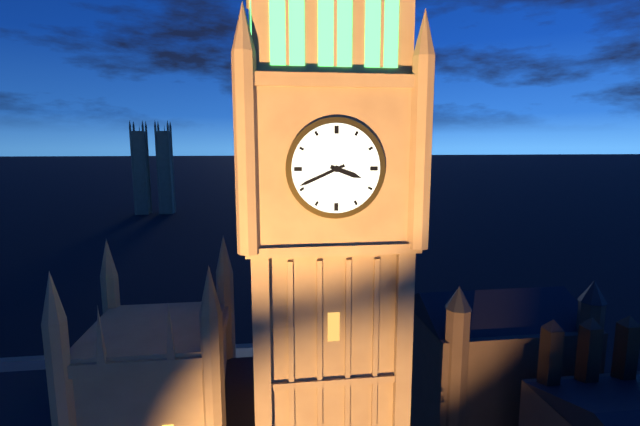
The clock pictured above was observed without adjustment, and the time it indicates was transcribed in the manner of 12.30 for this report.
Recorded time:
3.41
